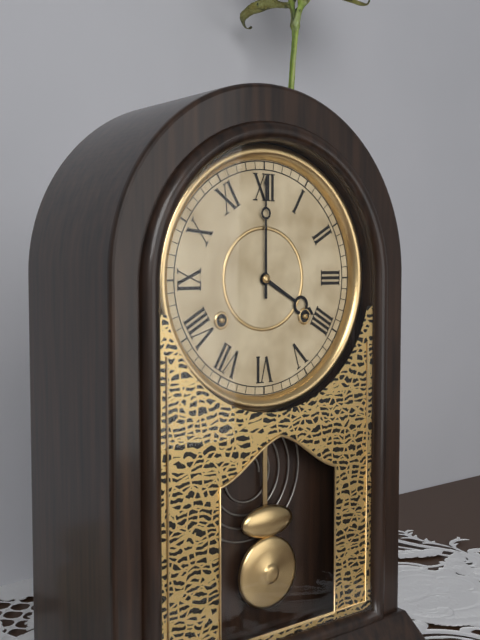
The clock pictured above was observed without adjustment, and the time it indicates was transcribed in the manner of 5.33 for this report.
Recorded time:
4.00
